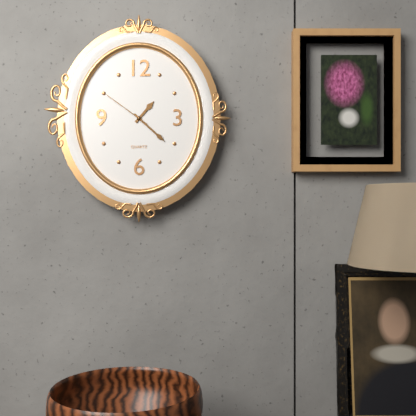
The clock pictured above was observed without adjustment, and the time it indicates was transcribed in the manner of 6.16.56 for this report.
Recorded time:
1.22.51
